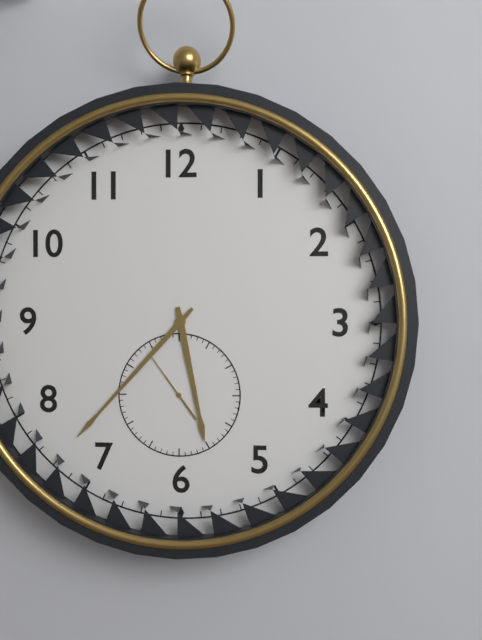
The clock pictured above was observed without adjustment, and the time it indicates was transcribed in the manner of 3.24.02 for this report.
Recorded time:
5.37.54
